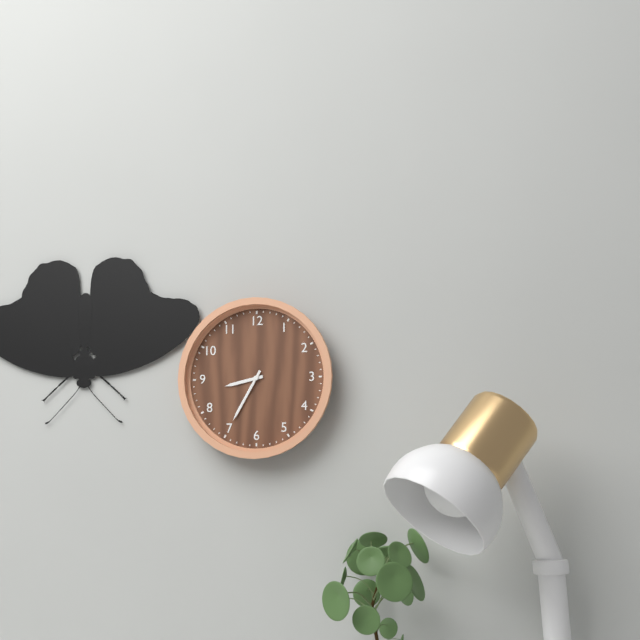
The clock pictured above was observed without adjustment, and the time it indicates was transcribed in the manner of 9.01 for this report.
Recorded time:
8.35
